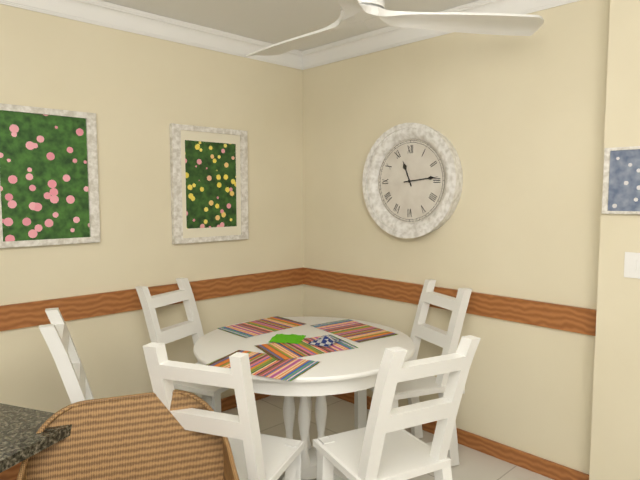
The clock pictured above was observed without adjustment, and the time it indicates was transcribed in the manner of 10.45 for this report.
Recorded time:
11.14
